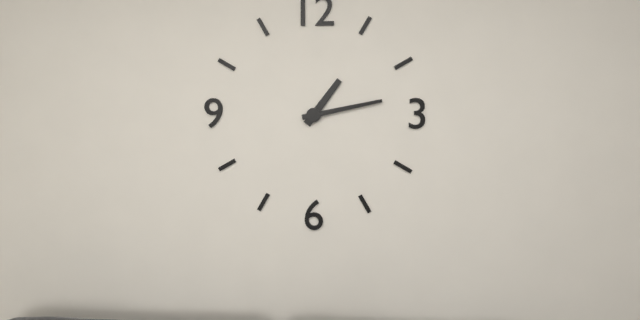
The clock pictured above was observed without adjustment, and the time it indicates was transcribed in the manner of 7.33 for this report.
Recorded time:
1.13
